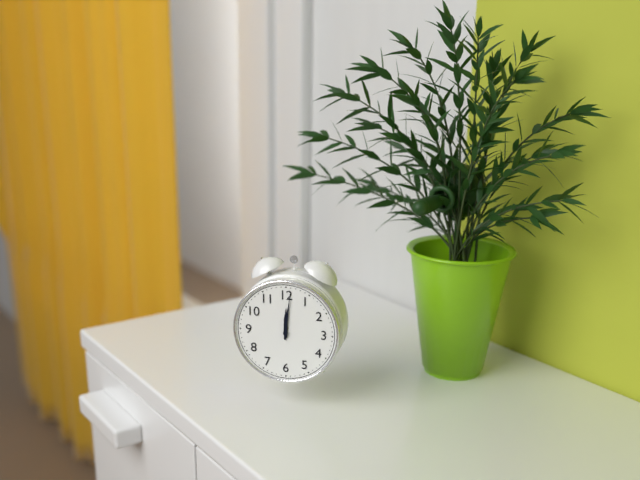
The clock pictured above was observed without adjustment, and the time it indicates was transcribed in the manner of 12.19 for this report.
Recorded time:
12.01
